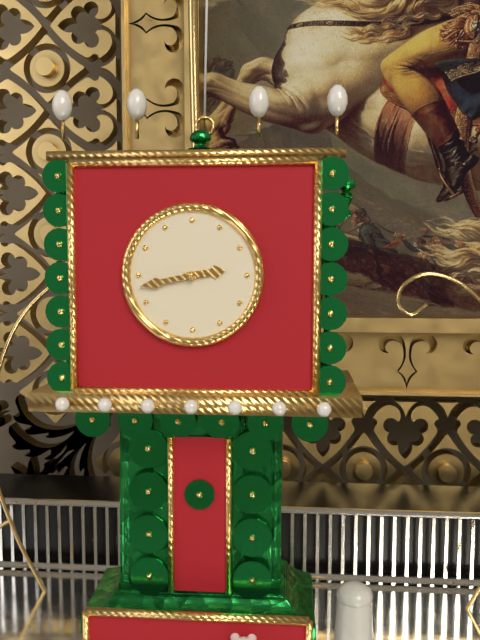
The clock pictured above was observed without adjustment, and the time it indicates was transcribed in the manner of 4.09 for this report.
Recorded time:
2.43
